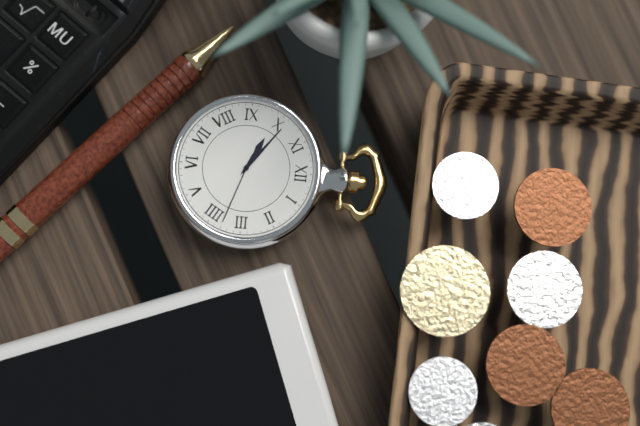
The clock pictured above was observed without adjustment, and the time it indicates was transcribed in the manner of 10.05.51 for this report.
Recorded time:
9.51.18
